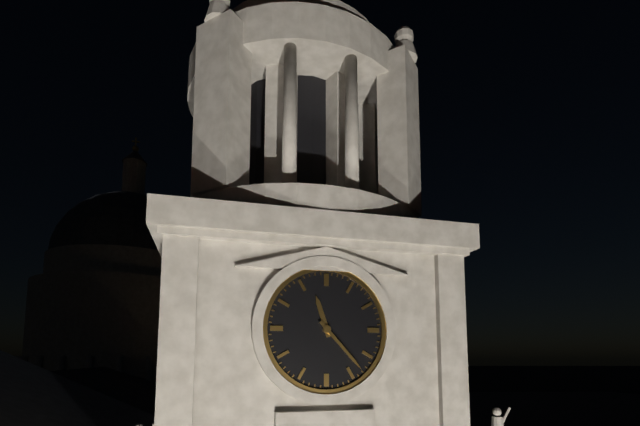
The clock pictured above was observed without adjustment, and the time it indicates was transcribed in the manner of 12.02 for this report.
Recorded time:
11.23
